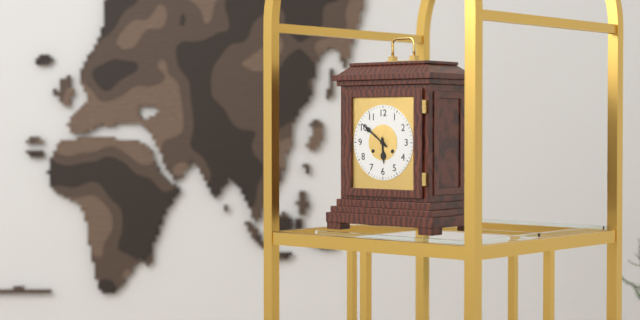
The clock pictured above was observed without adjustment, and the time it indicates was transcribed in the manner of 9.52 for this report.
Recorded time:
5.51
